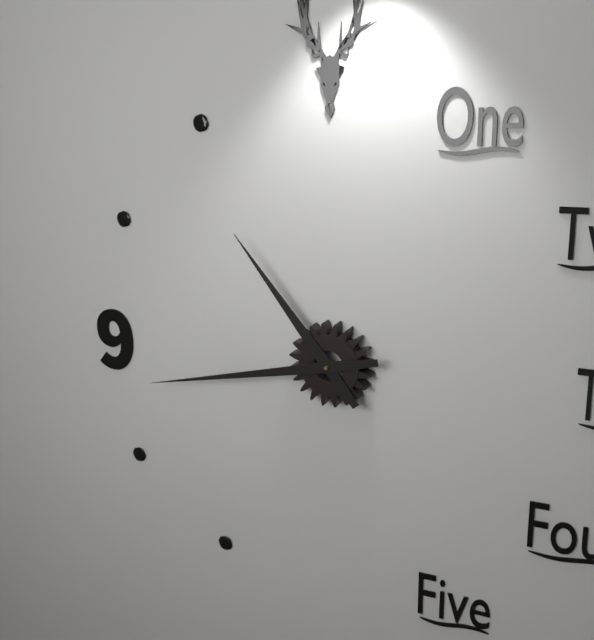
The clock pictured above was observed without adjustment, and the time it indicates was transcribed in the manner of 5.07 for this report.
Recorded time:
10.43
